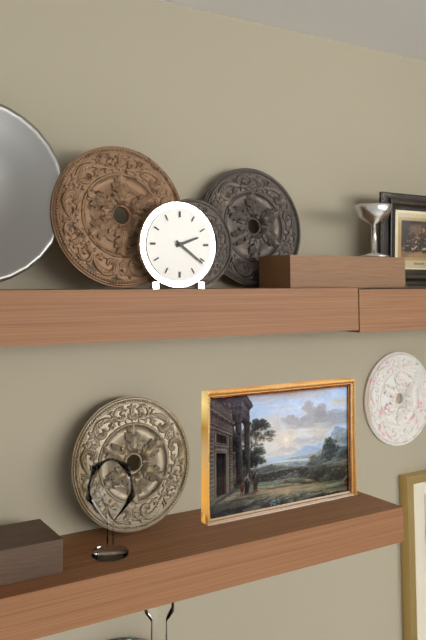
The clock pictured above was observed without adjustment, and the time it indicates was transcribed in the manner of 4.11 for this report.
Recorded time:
2.21
